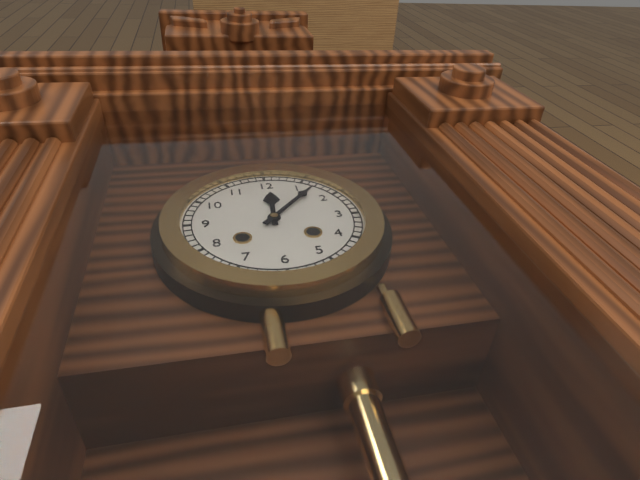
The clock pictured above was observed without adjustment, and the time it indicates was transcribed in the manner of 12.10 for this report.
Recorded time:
12.07
